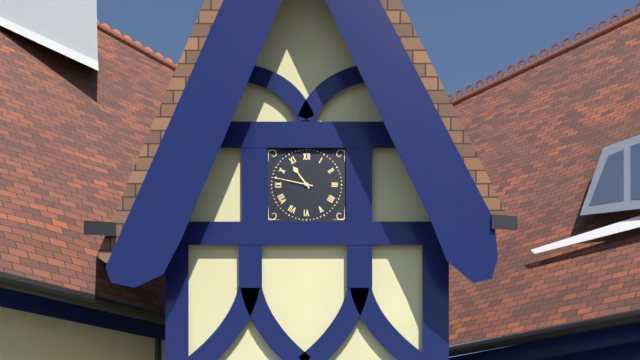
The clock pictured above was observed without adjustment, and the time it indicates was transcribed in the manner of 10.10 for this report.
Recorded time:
10.47
